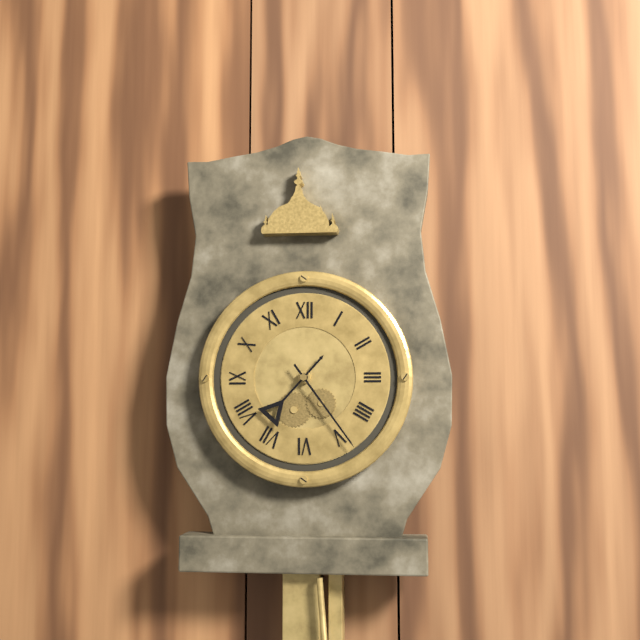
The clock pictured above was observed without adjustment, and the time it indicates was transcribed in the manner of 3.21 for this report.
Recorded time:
7.24
